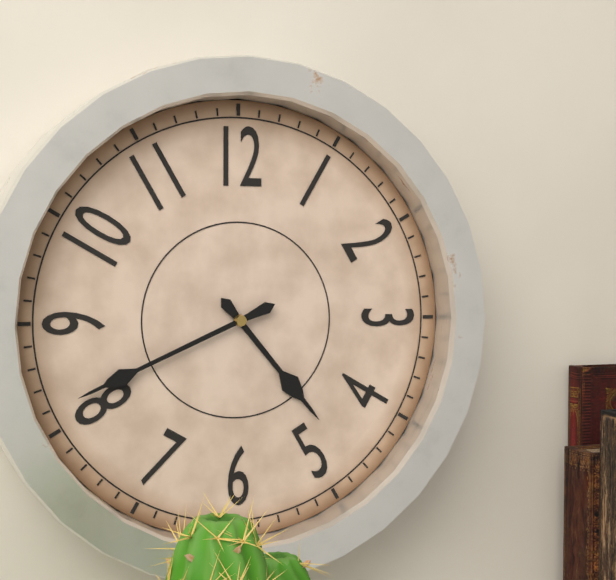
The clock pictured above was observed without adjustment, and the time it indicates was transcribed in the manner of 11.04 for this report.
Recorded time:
4.41
